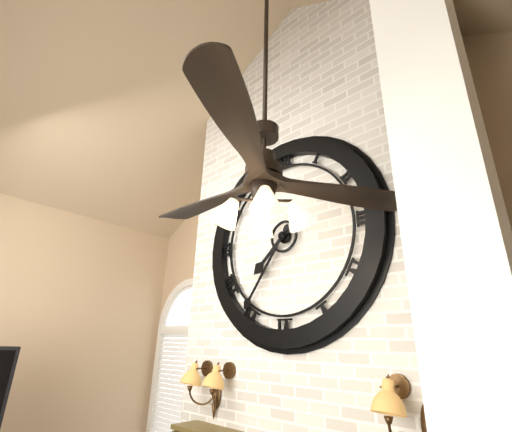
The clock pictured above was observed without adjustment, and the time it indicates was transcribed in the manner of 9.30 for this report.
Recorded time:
7.36
